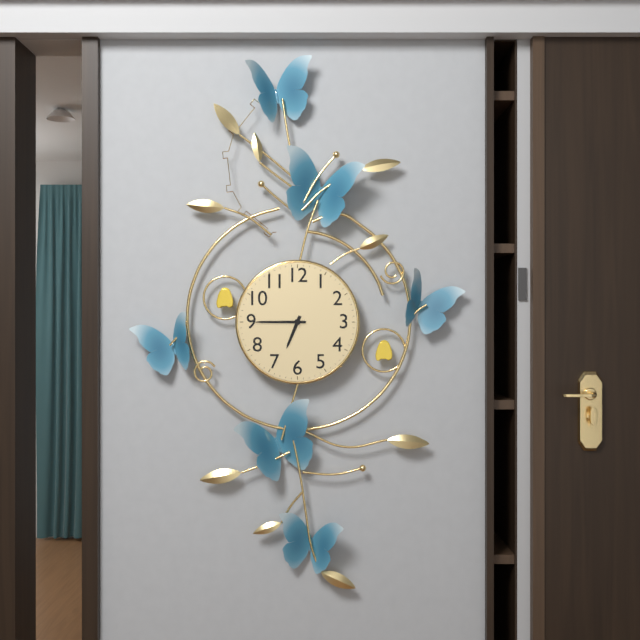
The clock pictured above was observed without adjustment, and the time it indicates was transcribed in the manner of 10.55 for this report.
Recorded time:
6.45
